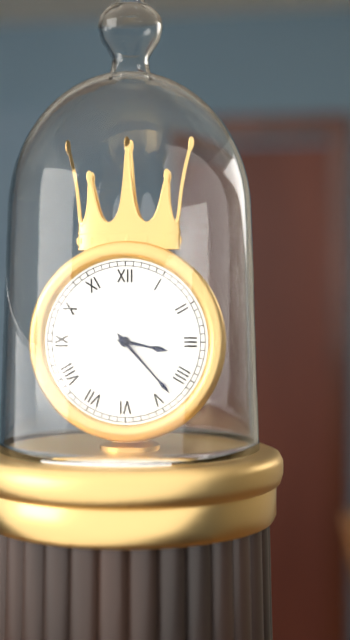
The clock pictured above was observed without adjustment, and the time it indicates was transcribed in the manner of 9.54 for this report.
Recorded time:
3.23
